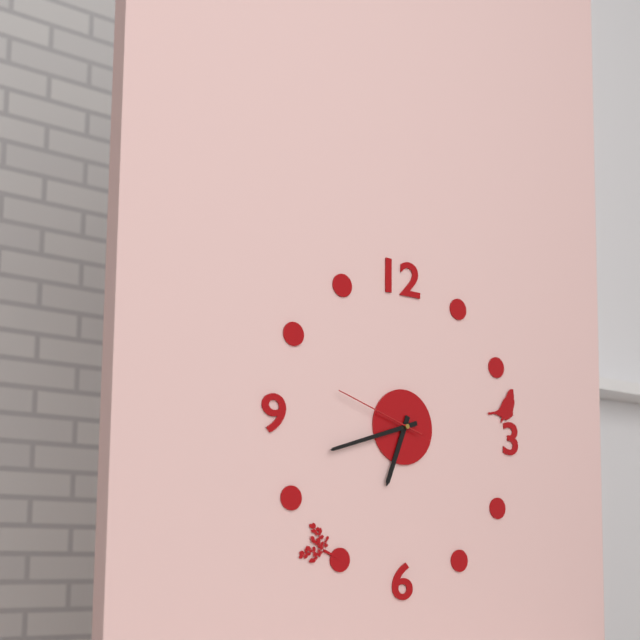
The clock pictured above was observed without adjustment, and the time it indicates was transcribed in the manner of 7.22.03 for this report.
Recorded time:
6.42.48
